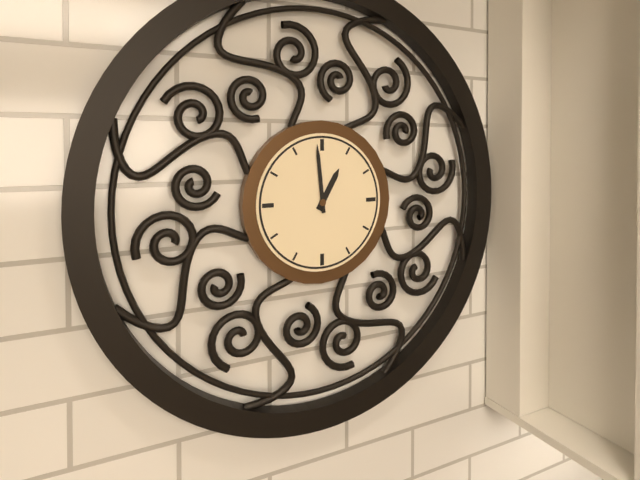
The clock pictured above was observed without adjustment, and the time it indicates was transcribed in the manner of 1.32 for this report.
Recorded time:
12.59
